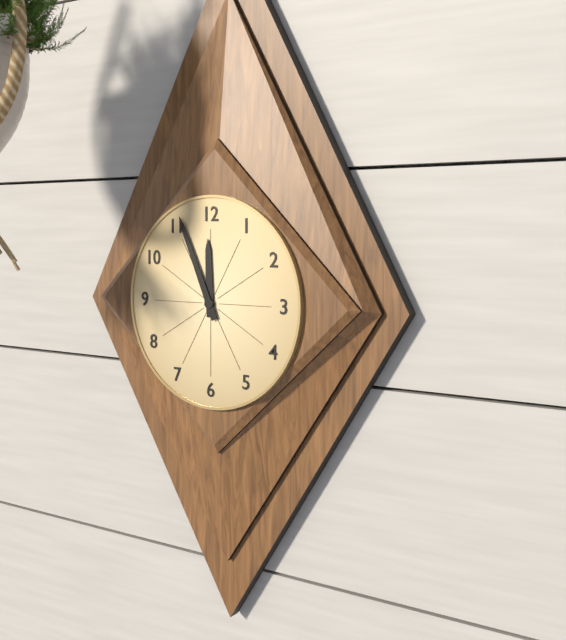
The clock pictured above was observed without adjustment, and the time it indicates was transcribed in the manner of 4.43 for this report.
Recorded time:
11.56
